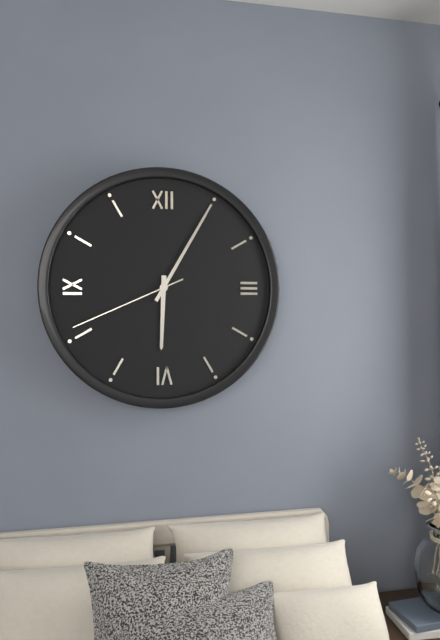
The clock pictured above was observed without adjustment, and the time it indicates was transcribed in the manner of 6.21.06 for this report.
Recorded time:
6.05.41
